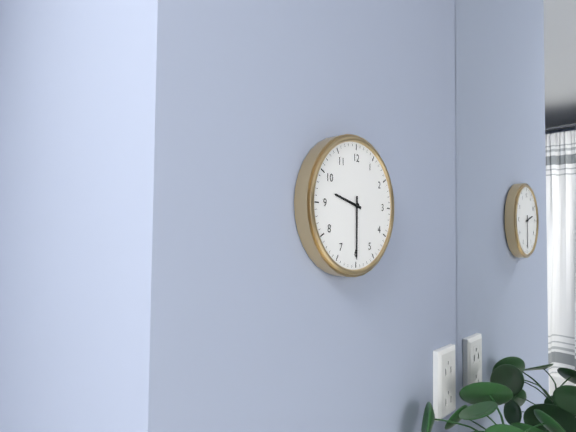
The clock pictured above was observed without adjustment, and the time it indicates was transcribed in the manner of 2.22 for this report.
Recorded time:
9.30
